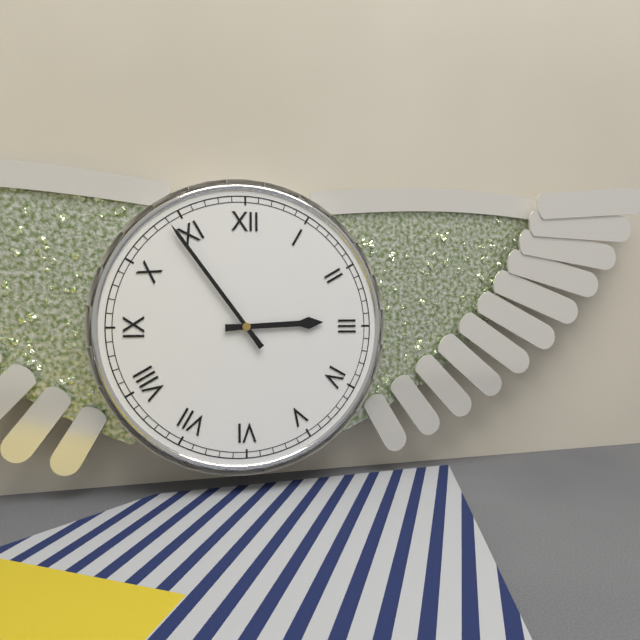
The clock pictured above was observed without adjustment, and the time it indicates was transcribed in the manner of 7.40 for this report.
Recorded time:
2.54
